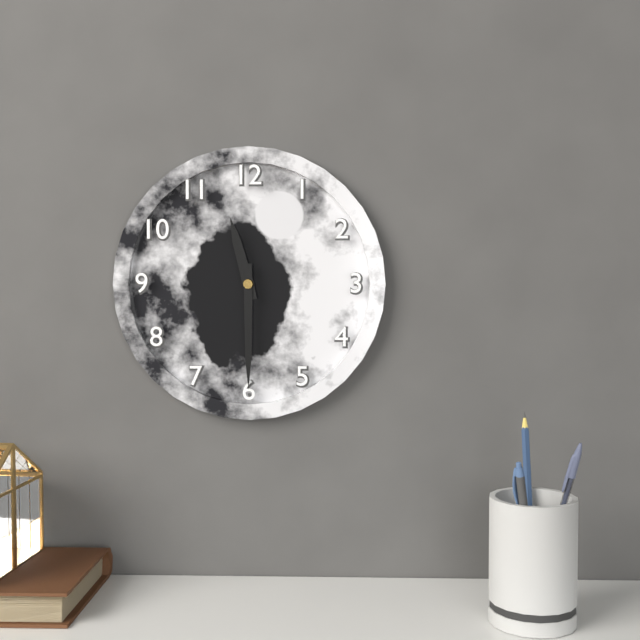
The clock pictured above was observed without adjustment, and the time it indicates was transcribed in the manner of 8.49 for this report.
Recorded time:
11.30
